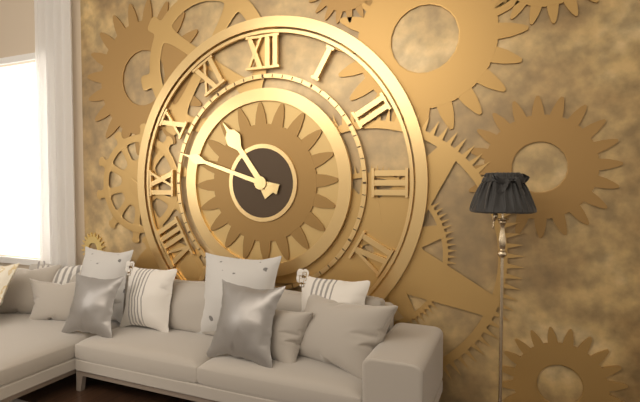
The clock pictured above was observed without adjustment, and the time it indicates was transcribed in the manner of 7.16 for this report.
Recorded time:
10.48
